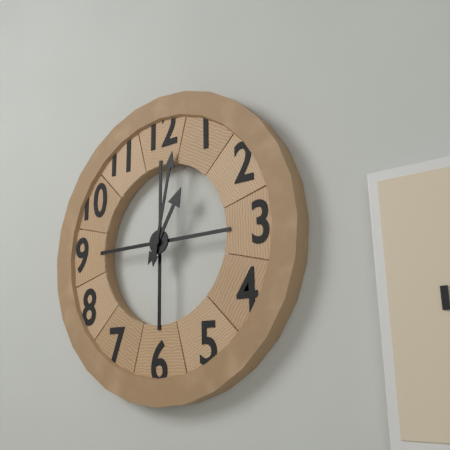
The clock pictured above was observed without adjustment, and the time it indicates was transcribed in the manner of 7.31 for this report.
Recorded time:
1.02
